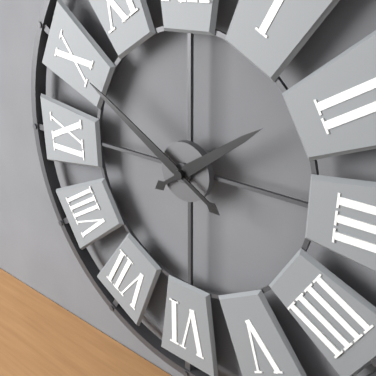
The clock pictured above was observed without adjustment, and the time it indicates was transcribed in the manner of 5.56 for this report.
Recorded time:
1.50
